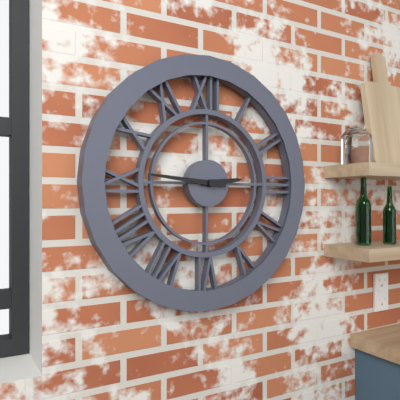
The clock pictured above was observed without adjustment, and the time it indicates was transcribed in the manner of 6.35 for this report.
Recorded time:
2.46
